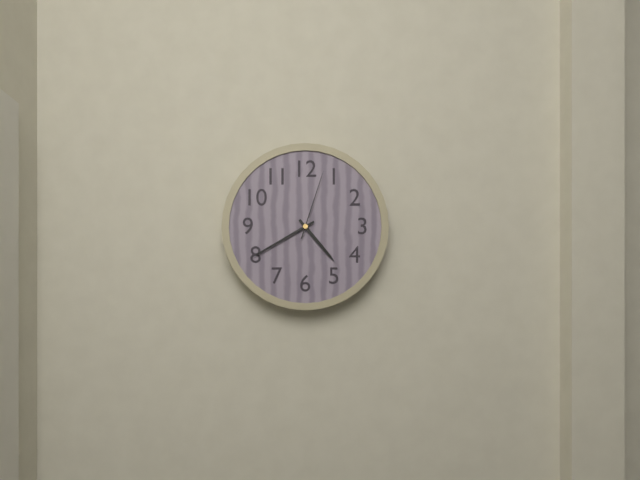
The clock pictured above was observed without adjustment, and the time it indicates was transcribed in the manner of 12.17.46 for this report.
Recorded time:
4.40.03
